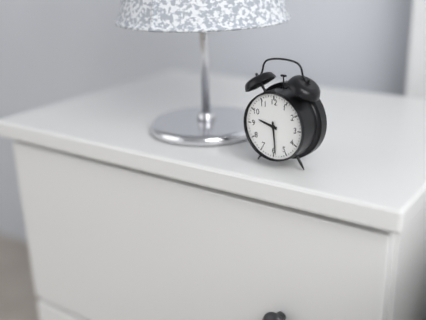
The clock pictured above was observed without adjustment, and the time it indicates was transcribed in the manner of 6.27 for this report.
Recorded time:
9.29
